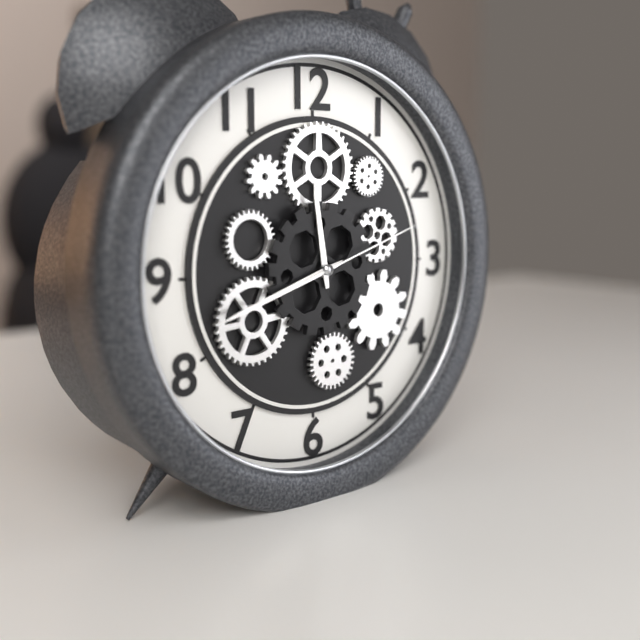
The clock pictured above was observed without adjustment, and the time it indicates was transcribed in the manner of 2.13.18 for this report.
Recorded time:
11.42.12
